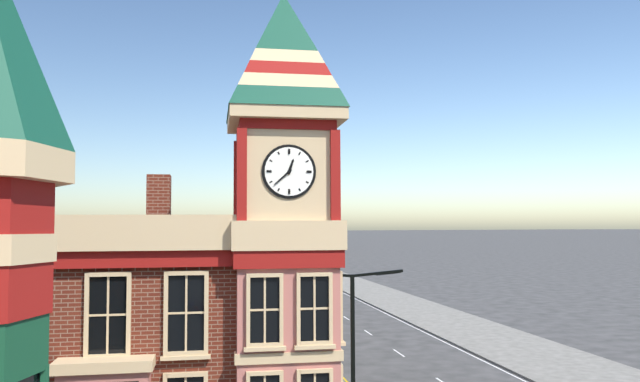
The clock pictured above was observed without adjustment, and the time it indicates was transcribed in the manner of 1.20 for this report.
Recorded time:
12.38
